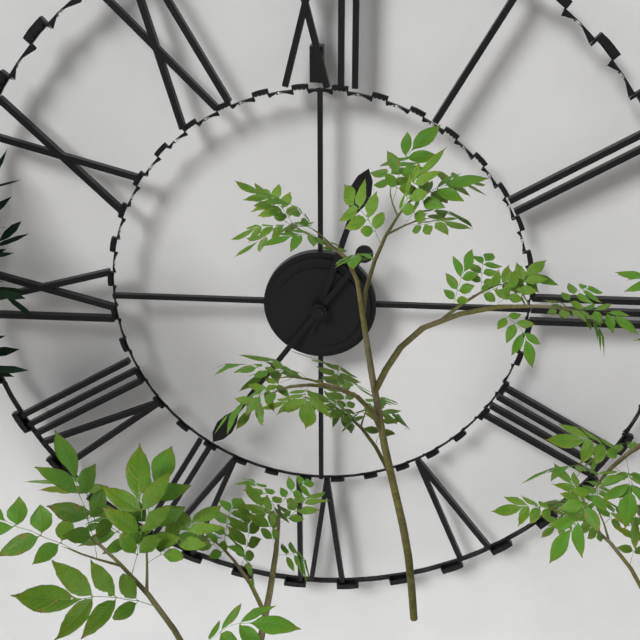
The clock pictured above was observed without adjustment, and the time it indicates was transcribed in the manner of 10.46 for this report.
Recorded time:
12.36
